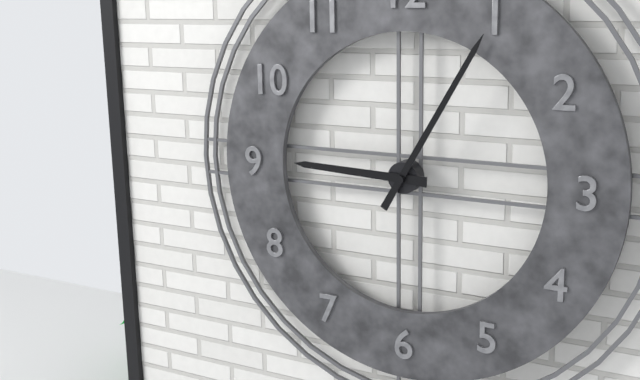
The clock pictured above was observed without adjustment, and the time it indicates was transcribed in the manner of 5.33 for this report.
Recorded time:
9.05
